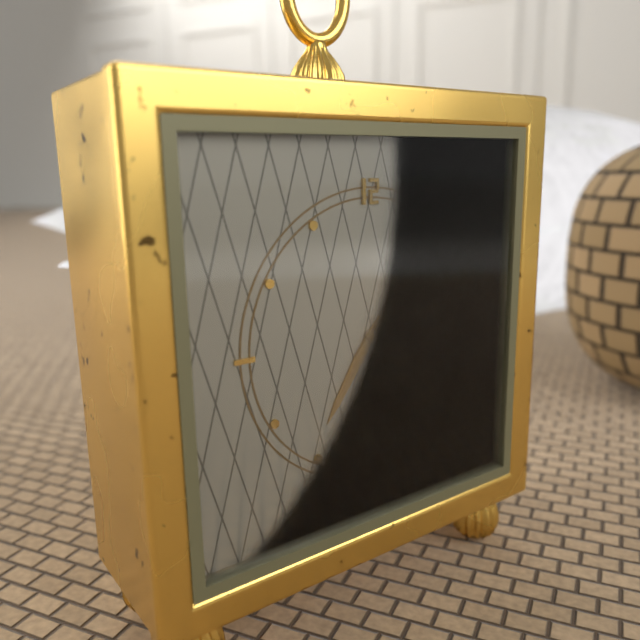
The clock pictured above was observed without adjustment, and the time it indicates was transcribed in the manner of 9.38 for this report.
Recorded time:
7.08
